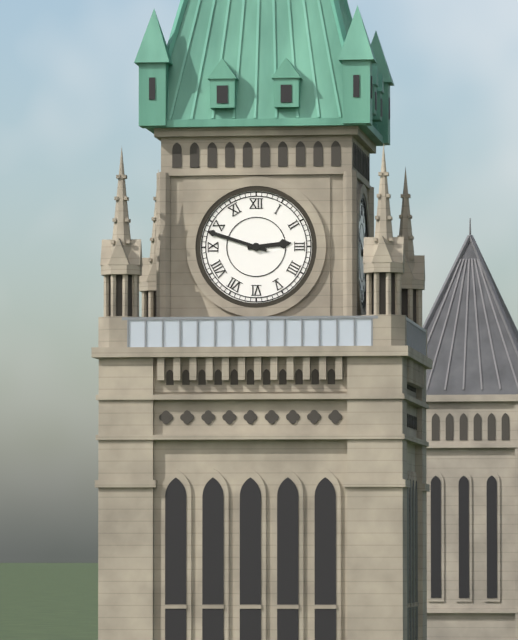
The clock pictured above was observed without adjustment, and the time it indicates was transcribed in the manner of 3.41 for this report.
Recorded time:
2.48
